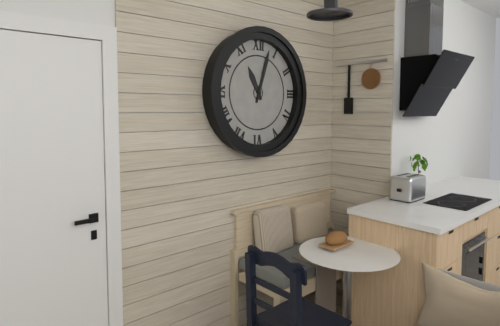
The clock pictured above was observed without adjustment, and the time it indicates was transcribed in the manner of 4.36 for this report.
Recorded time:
11.03
